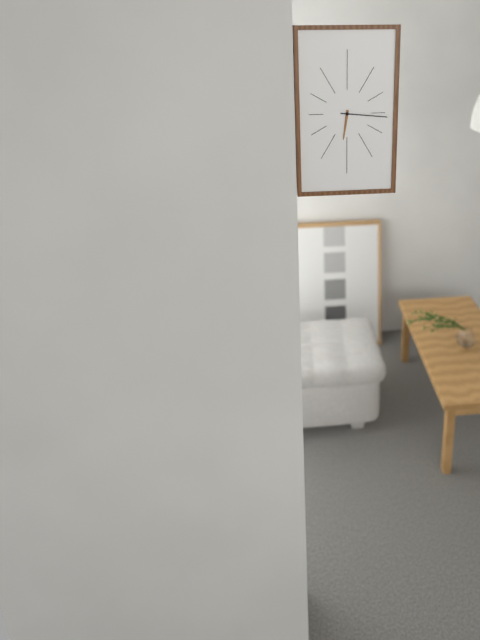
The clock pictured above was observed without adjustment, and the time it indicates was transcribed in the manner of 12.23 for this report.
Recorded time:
6.16
